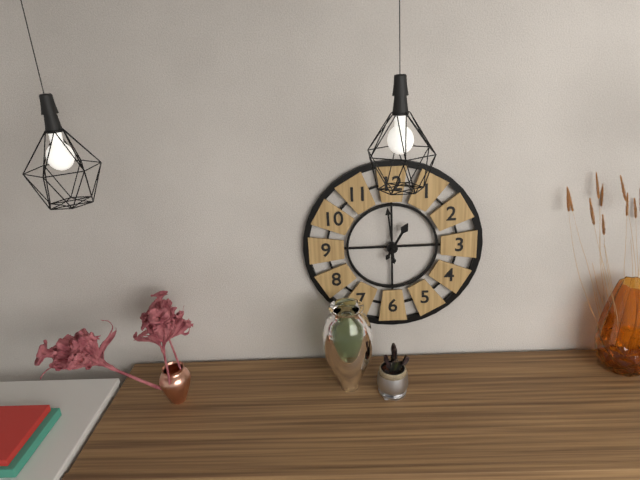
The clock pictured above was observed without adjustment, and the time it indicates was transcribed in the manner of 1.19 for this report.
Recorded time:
12.59
